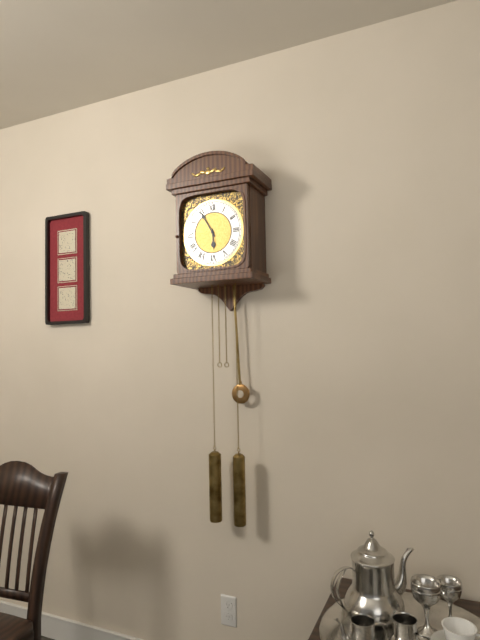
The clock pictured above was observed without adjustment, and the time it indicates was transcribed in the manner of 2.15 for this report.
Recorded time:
5.55
